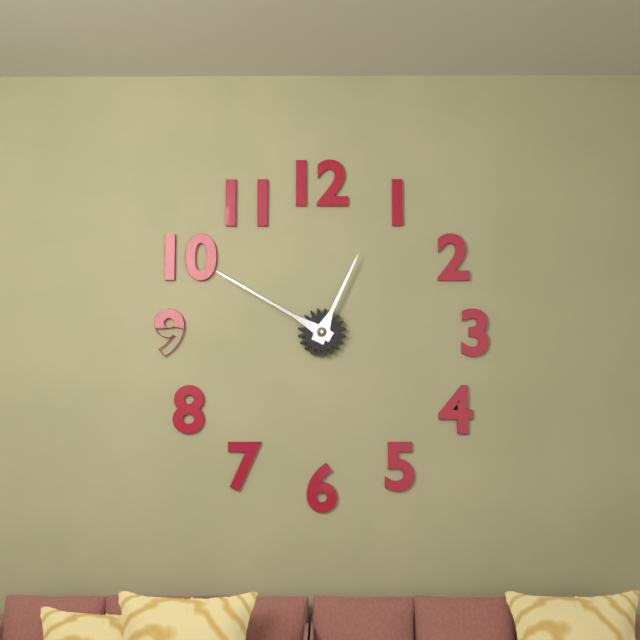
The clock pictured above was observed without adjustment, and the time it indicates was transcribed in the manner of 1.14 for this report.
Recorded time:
12.50
